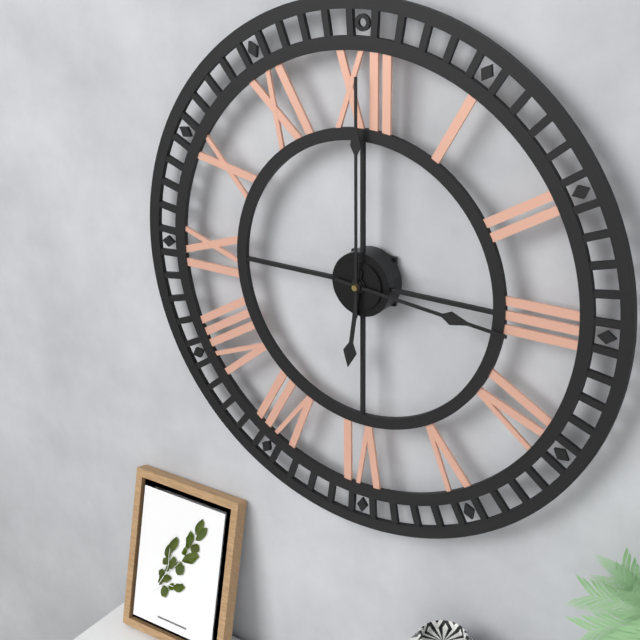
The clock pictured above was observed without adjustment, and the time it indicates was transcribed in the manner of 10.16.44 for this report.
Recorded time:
6.16.00
